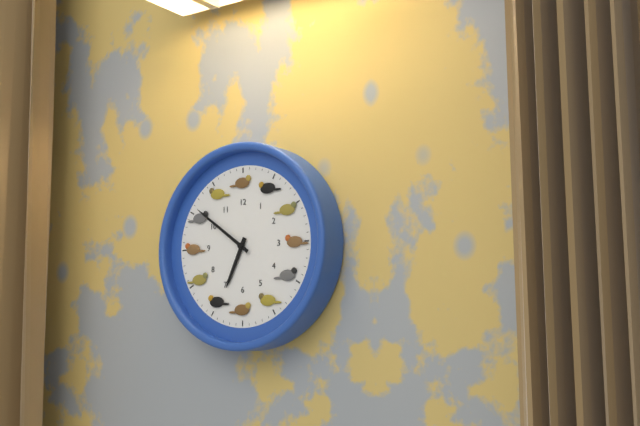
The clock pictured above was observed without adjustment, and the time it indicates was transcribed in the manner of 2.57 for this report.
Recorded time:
6.51
